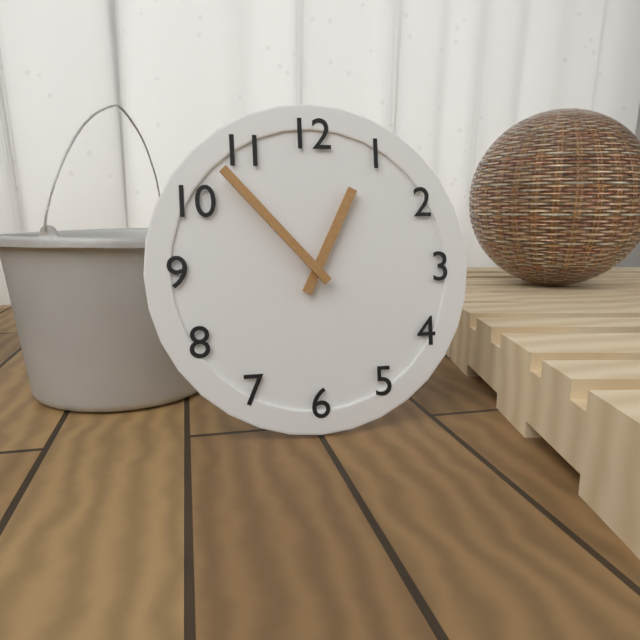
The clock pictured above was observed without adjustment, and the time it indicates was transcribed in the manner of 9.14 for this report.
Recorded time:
12.53
